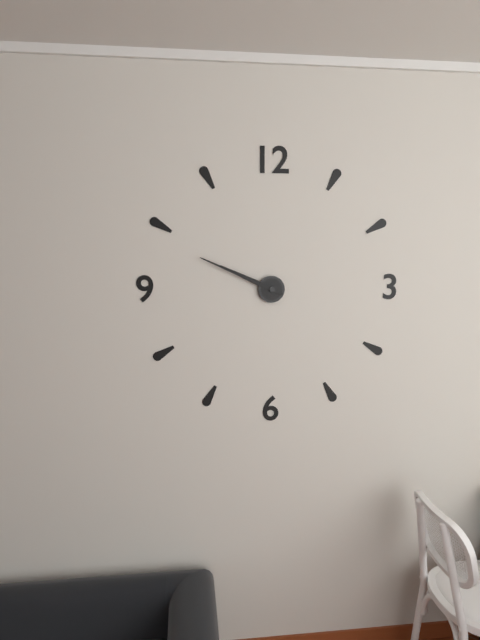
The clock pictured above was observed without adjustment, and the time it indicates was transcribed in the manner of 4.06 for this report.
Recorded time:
9.49
